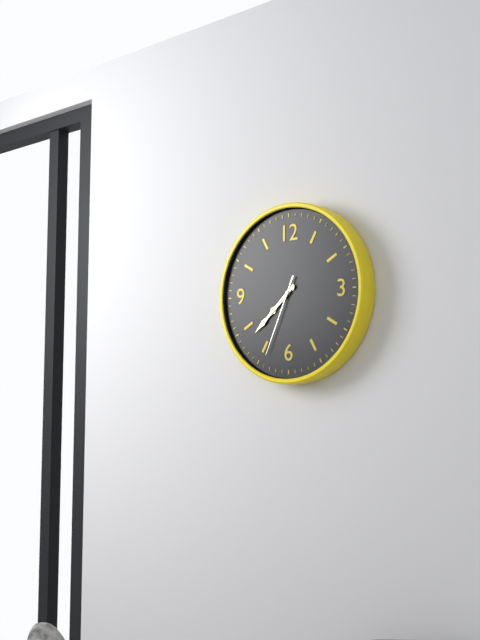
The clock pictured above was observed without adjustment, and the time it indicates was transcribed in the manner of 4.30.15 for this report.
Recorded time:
7.38.34
